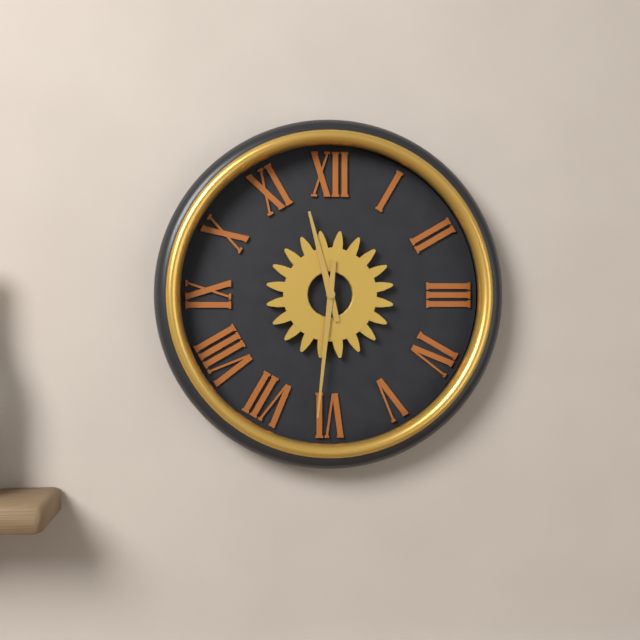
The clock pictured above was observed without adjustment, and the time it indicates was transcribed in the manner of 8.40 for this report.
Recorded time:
11.31
